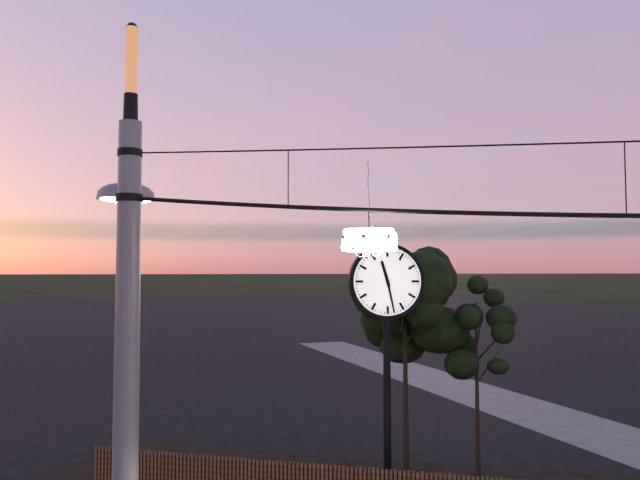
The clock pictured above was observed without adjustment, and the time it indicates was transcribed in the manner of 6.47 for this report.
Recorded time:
11.28
